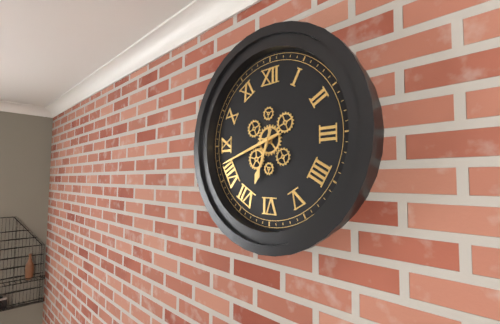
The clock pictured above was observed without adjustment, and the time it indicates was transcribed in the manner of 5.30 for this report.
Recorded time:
6.42
